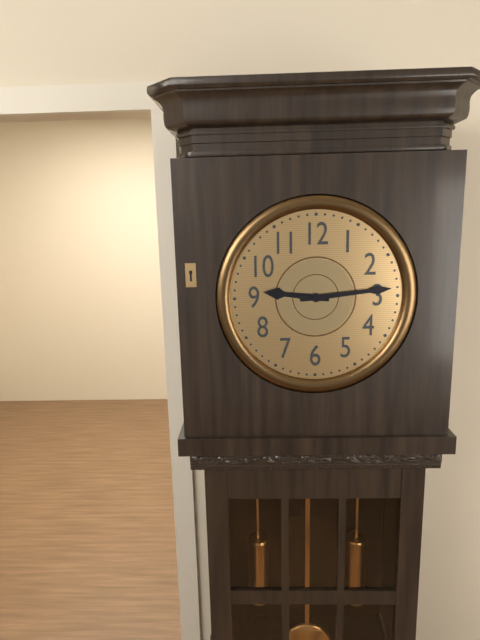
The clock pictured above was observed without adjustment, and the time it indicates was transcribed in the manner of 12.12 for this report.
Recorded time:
9.14
